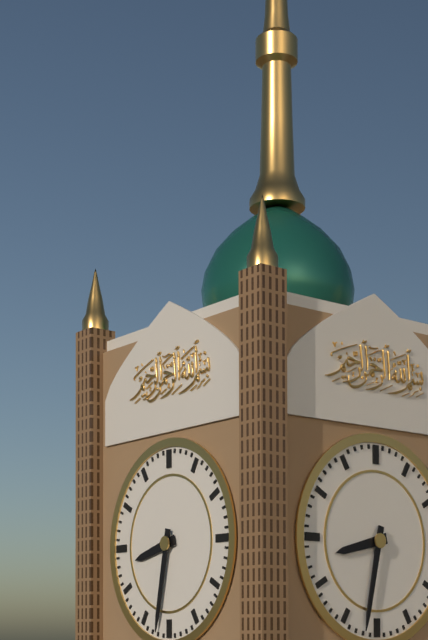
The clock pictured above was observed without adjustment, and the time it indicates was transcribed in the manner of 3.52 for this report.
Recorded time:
8.32
